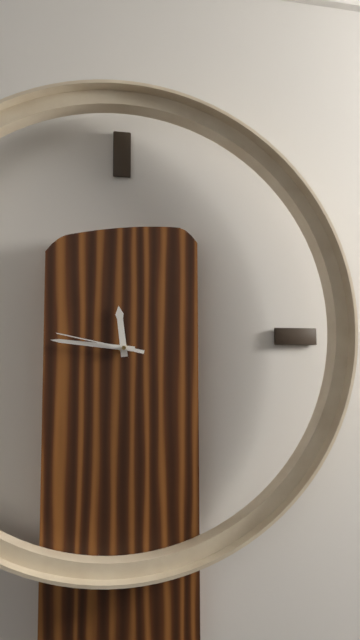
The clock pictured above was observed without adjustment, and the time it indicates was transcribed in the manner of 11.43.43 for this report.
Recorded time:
11.46.47
